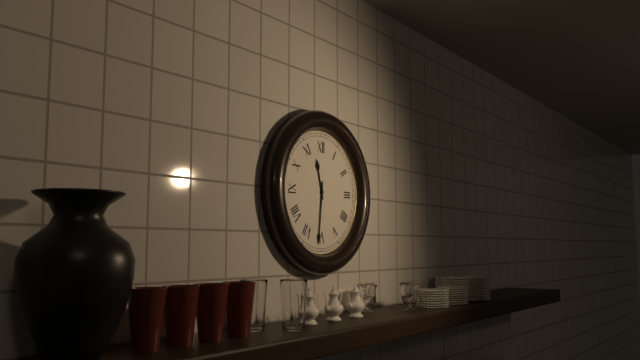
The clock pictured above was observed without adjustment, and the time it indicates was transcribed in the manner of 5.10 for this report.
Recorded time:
11.31
